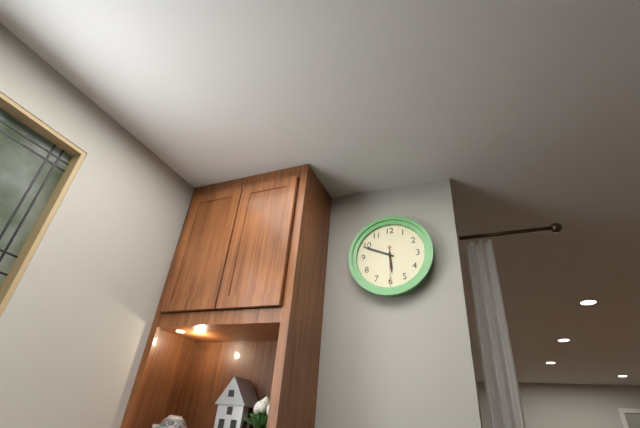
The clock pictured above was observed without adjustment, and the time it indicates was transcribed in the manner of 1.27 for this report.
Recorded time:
5.49
